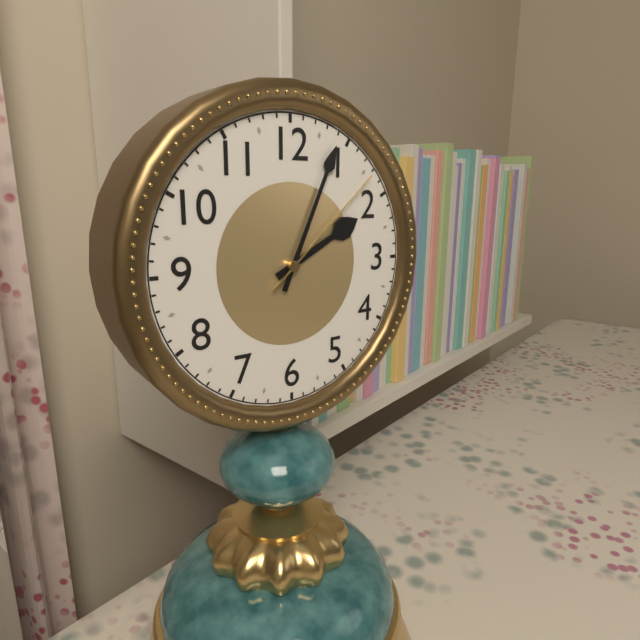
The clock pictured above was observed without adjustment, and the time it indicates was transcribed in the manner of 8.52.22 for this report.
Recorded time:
2.04.08
